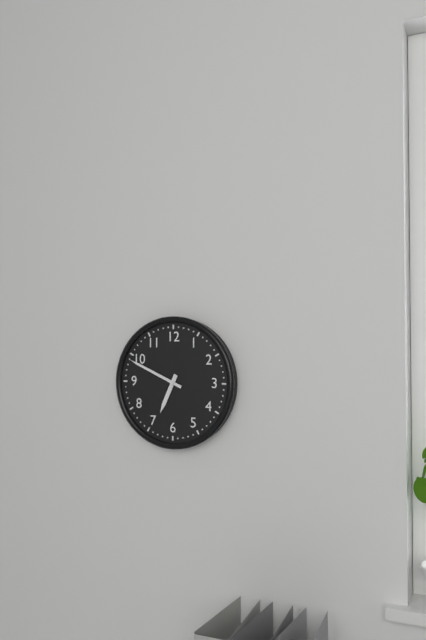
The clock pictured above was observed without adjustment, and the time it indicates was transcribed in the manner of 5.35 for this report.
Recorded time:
6.49
